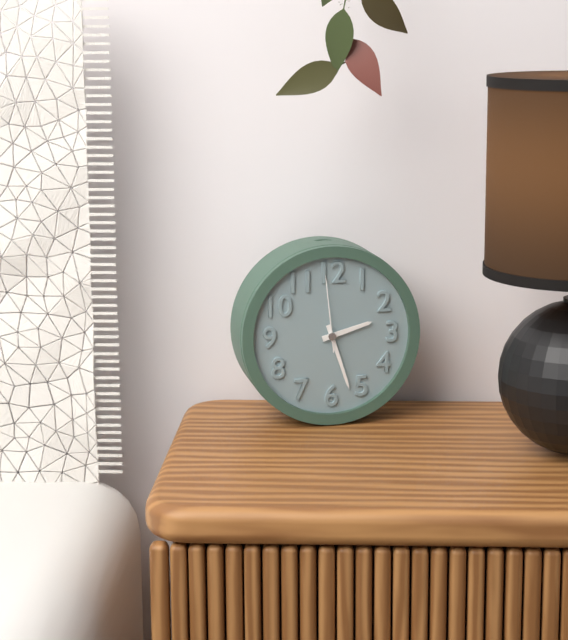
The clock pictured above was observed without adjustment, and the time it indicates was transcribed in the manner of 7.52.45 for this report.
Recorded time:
2.27.59
